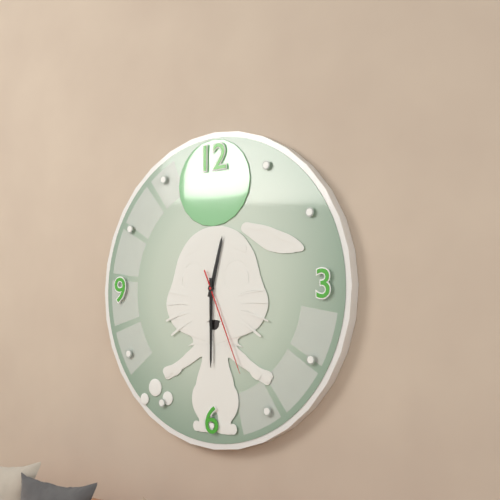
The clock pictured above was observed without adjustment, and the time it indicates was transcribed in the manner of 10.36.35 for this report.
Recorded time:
12.30.26
